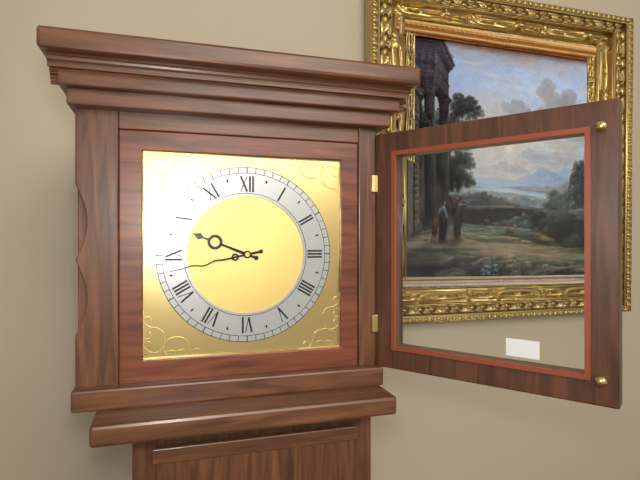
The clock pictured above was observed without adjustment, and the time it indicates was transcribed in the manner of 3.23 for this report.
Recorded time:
9.43
